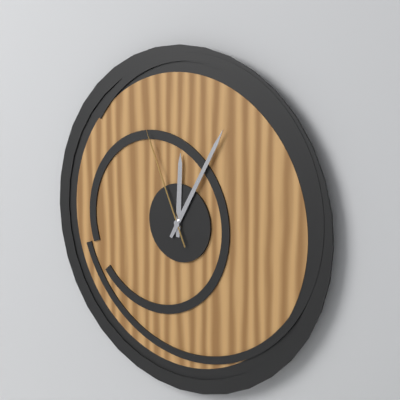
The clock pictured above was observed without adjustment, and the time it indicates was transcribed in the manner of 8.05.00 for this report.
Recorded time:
12.05.56
